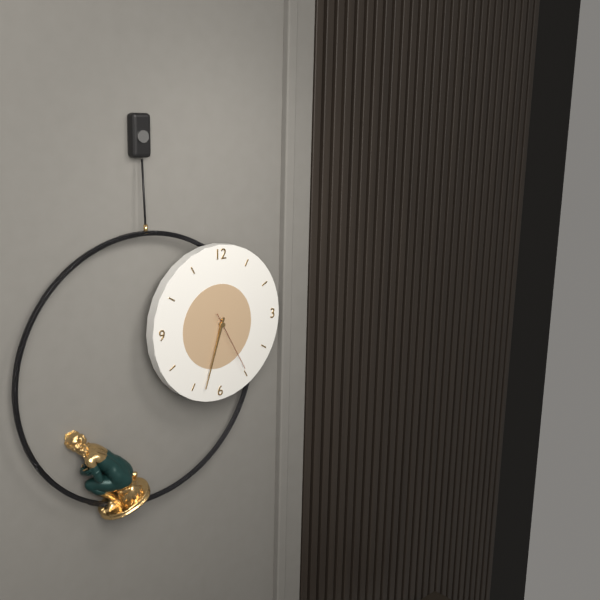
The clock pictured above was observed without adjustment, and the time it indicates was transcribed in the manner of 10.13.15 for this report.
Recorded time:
6.33.25
